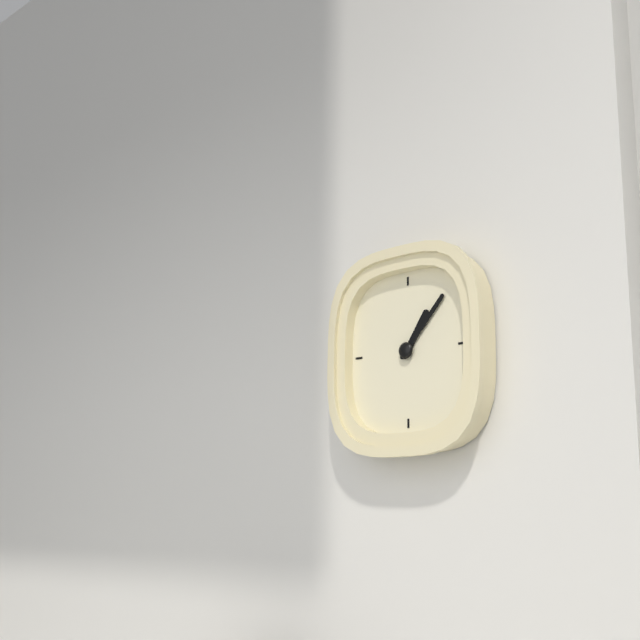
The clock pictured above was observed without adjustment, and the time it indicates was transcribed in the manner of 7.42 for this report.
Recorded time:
1.07
